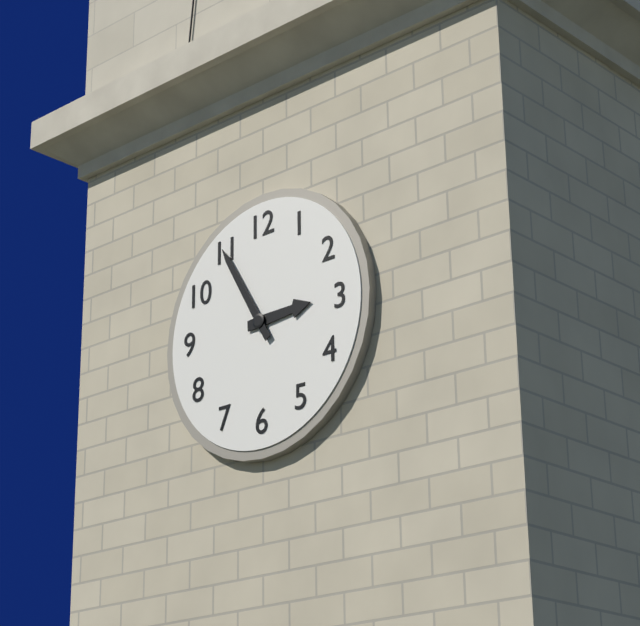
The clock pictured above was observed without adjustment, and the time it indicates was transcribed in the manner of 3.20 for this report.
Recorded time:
2.55
